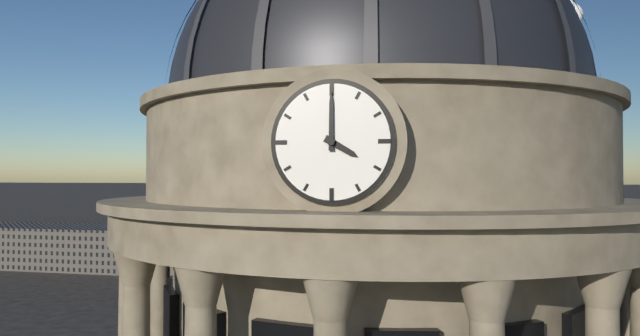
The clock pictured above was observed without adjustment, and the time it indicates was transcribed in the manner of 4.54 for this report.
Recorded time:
4.00
